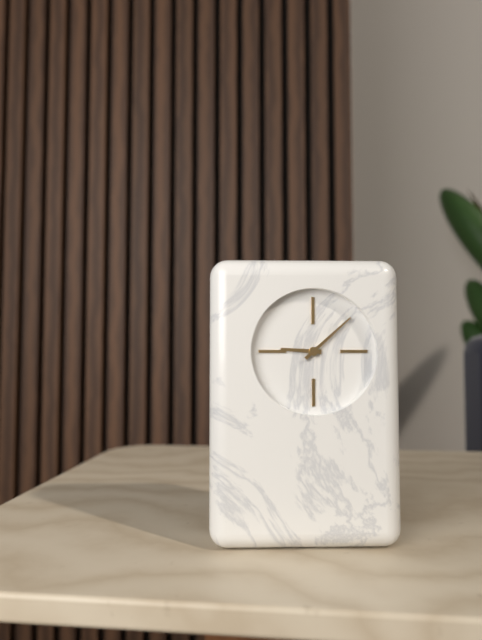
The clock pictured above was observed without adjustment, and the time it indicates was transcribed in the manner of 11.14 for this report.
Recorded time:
9.08
